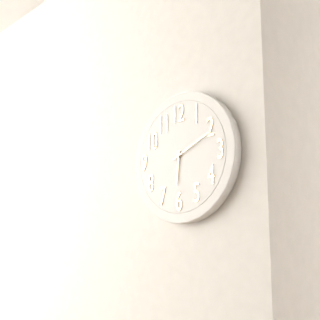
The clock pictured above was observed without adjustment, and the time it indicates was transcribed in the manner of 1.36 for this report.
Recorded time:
6.11
